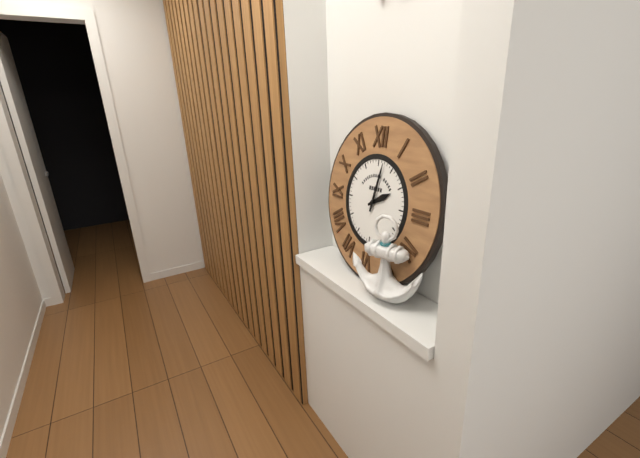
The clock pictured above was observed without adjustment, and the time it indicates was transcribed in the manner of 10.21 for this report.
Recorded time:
2.02
